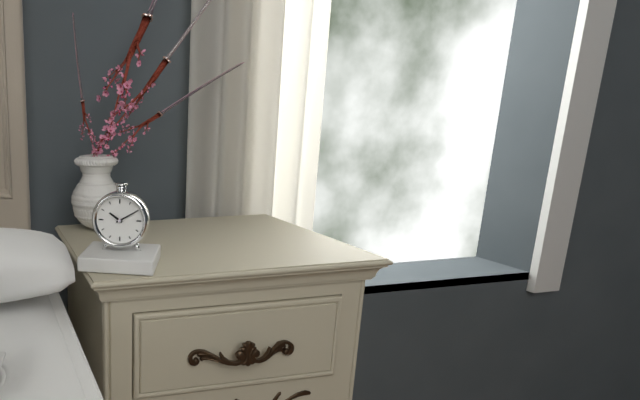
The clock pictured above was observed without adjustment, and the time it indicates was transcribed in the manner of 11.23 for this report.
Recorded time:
10.10
